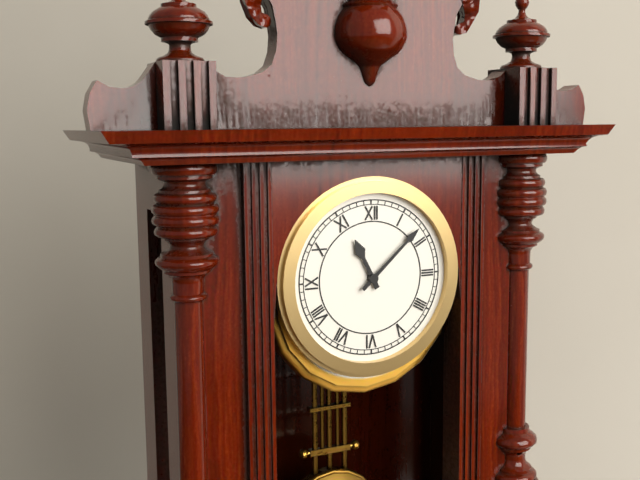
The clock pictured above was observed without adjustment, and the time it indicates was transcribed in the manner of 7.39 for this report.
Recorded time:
11.08
